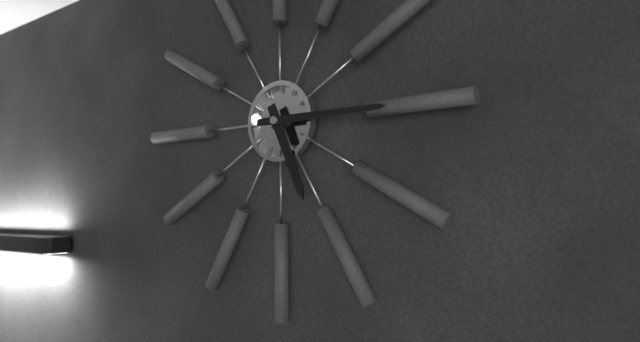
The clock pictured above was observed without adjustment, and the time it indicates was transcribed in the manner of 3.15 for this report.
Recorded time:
5.15
